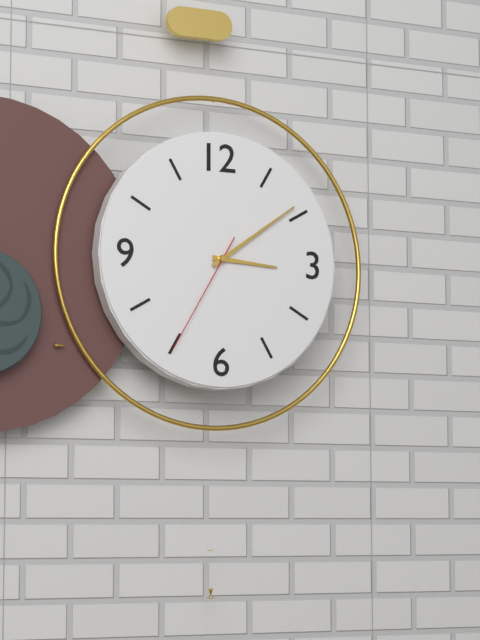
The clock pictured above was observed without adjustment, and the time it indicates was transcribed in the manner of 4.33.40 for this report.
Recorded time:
3.09.35
